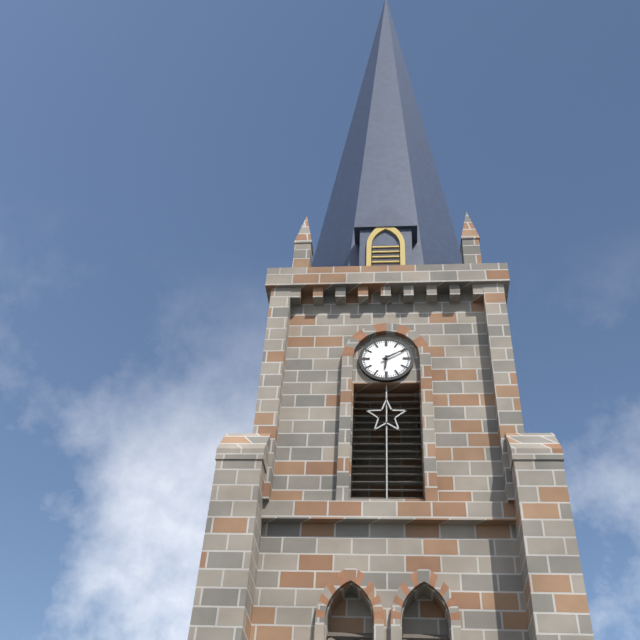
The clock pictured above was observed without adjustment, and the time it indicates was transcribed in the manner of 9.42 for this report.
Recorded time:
6.10
